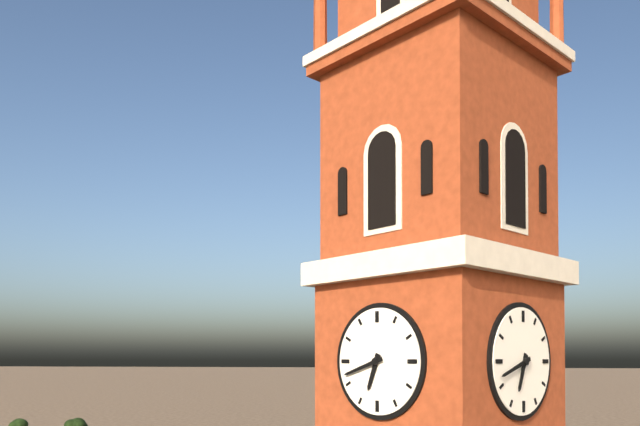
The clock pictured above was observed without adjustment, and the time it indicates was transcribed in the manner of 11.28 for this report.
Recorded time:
6.42
